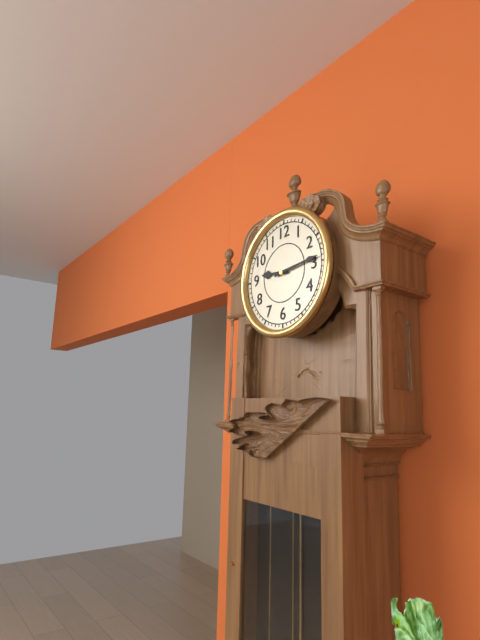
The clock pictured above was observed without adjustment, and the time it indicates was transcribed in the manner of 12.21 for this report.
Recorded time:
9.14
